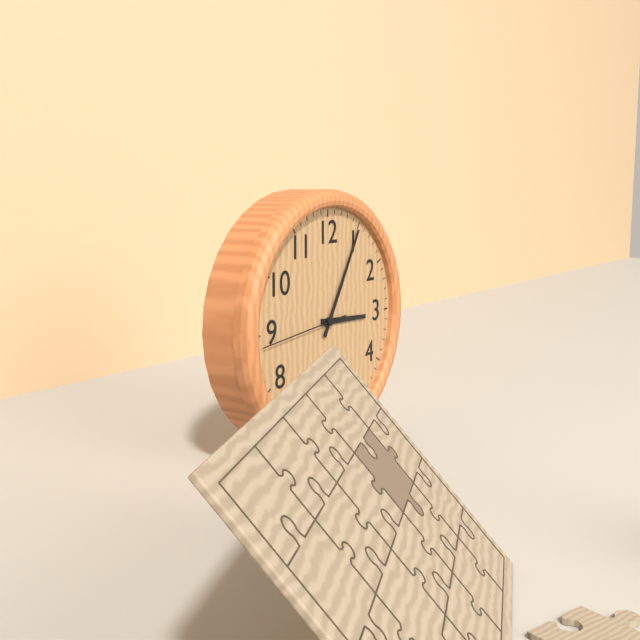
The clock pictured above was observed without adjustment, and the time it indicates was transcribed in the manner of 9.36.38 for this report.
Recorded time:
3.05.44
